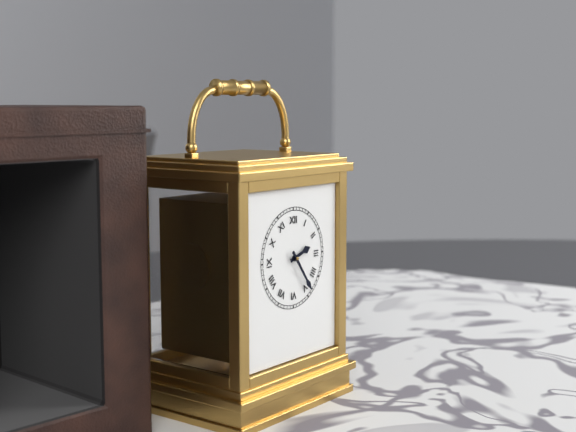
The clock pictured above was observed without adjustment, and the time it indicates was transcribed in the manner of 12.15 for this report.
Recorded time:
2.24
